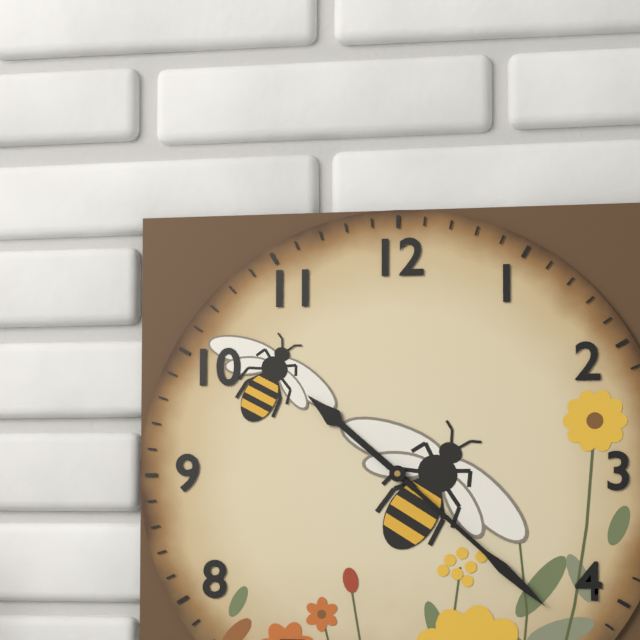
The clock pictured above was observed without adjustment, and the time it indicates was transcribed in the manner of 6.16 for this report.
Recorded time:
10.22
